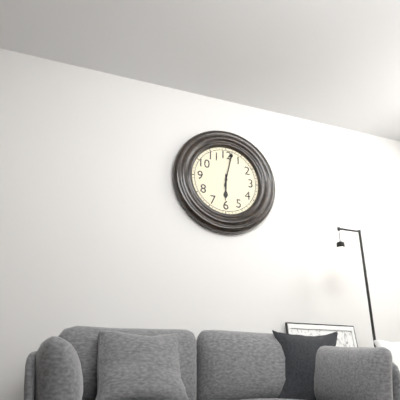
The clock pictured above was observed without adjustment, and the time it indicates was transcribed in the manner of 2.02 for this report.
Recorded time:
6.02
